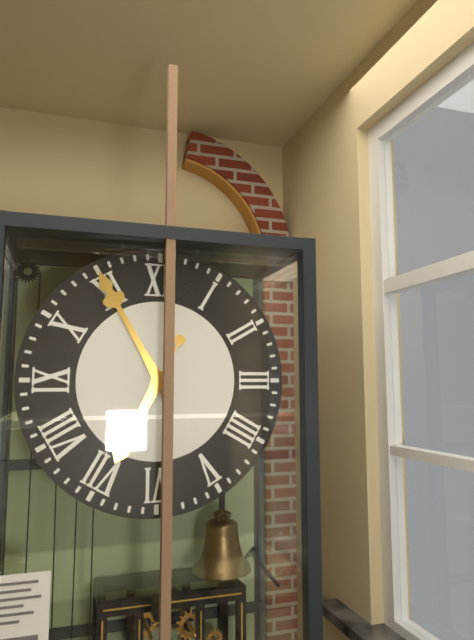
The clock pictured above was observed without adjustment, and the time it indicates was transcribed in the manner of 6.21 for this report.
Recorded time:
6.55
